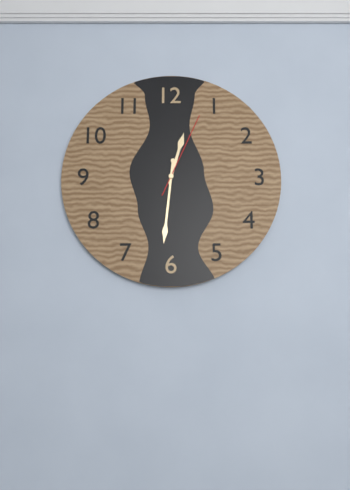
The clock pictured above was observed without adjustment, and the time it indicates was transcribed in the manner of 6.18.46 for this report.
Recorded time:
12.31.04
